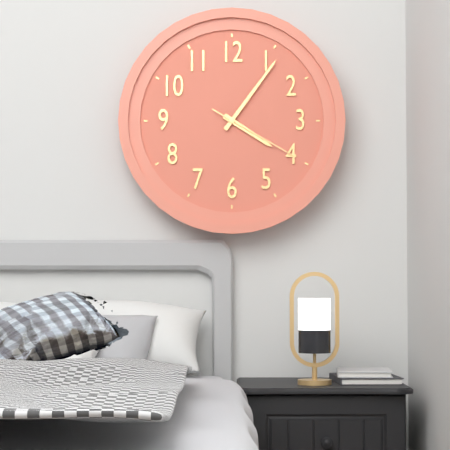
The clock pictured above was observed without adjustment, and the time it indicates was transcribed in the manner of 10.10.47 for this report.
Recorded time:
4.06.20
